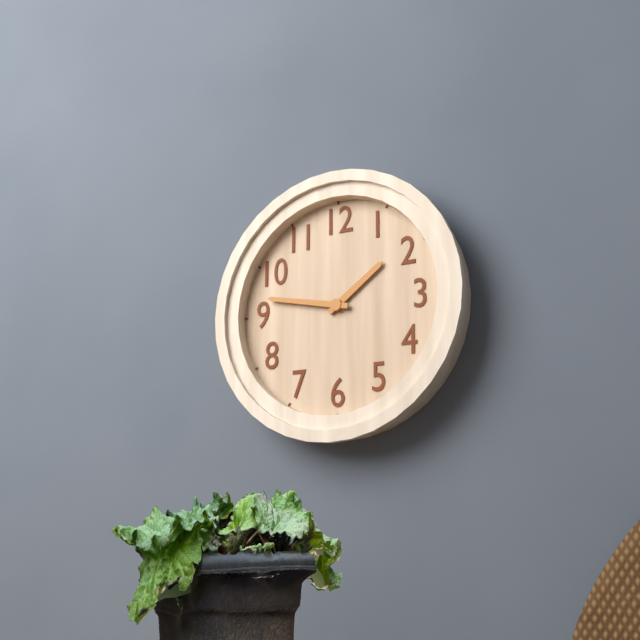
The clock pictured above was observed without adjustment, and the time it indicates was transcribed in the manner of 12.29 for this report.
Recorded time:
1.47
